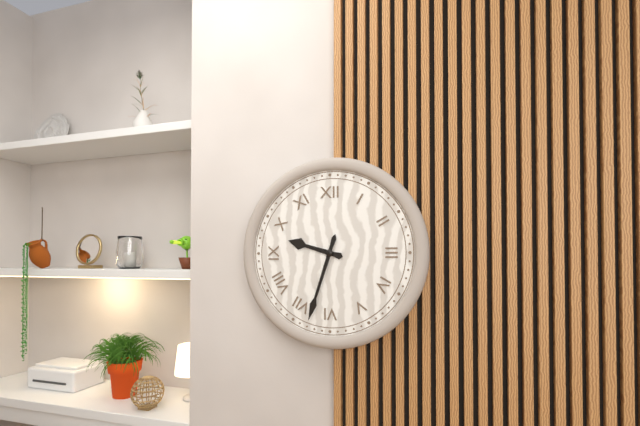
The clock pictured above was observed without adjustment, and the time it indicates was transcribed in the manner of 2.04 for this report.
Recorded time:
9.33
